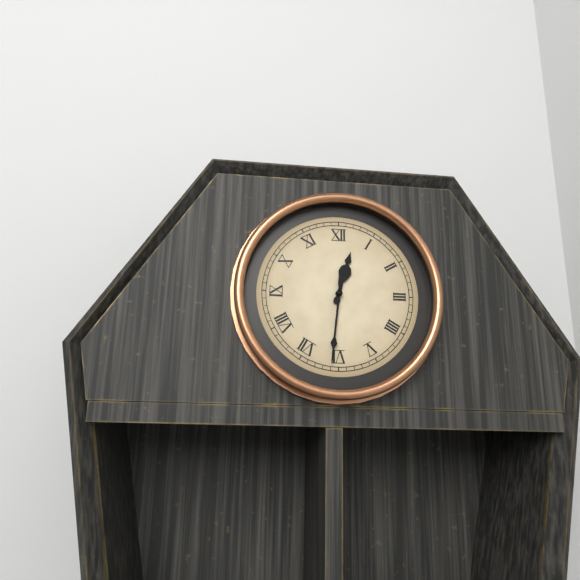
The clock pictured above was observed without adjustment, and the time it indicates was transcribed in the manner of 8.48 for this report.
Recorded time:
12.31
